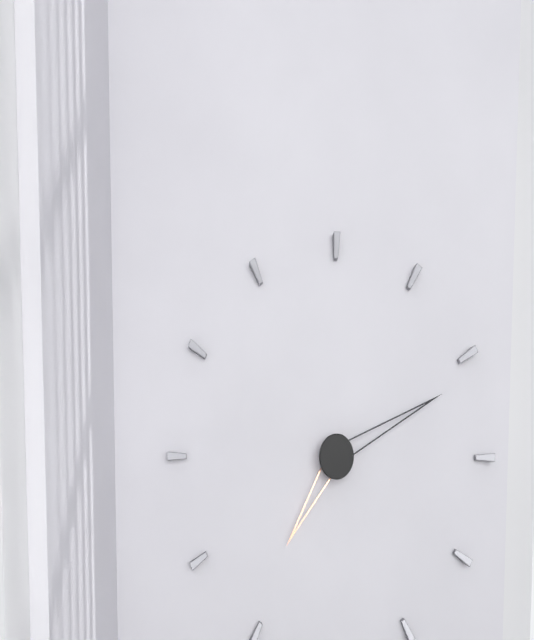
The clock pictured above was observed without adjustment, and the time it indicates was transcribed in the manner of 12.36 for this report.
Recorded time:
7.11
